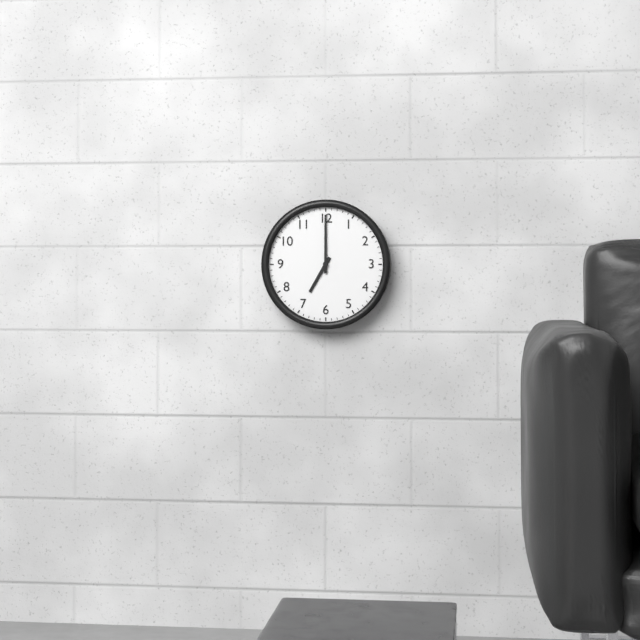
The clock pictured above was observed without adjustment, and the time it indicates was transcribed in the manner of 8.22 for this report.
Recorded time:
7.00
